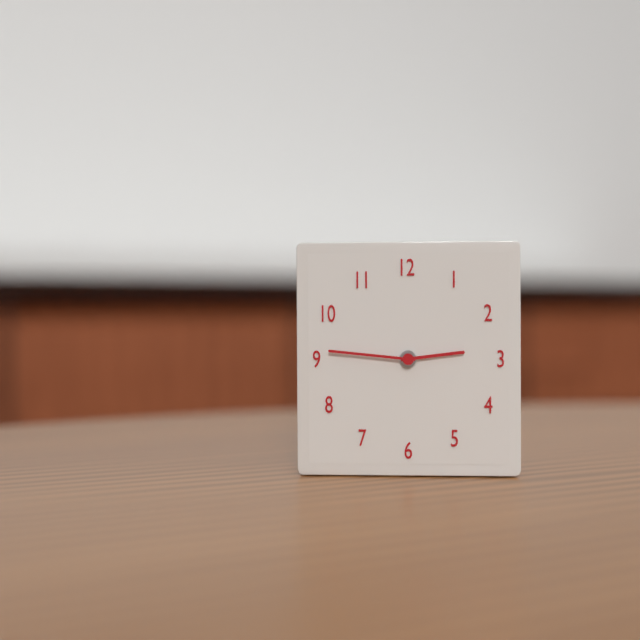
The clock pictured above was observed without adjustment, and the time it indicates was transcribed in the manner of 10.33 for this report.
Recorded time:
2.46
